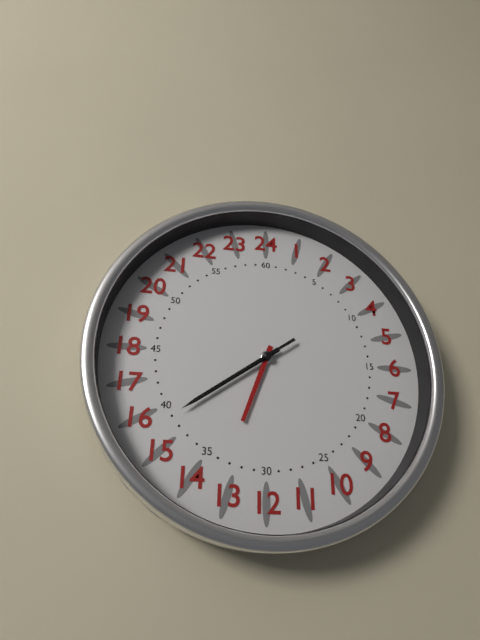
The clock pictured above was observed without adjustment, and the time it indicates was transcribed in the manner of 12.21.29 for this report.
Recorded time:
6.39.39
